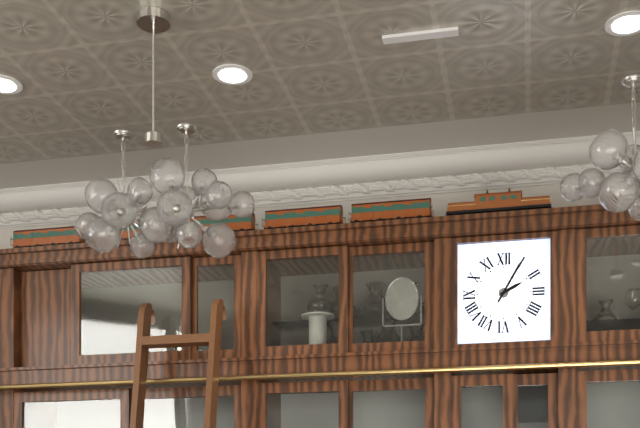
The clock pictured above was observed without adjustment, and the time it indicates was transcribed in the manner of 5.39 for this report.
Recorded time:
2.05
